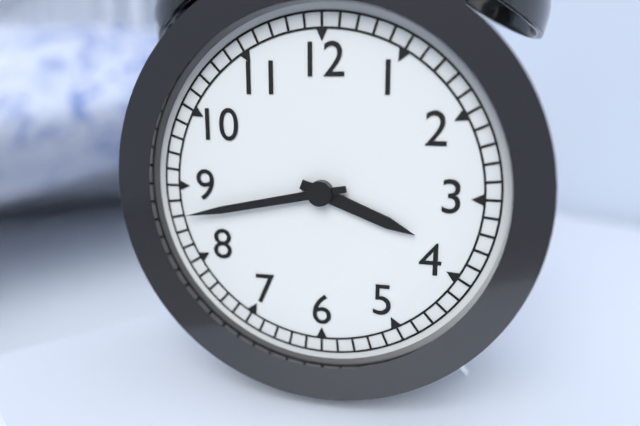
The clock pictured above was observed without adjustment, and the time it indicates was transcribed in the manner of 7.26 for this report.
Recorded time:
3.43
